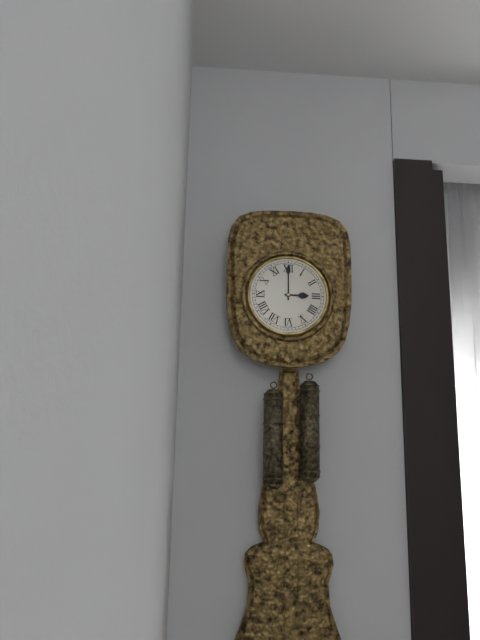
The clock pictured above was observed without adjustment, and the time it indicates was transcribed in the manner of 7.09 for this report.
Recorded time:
3.00
